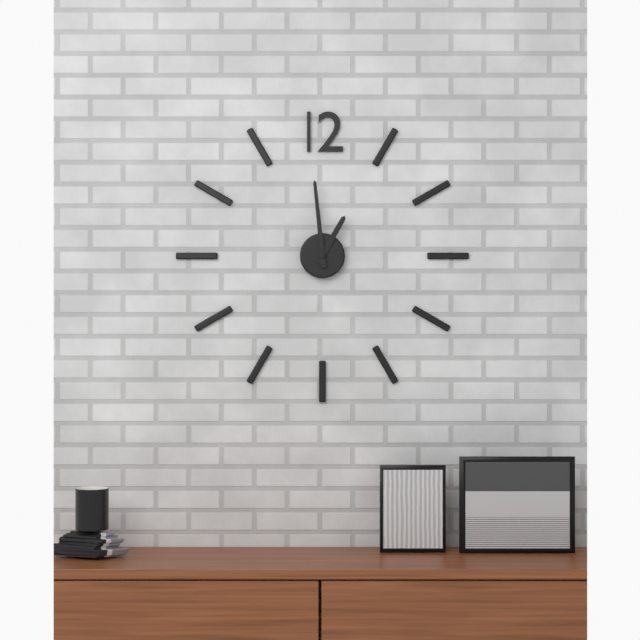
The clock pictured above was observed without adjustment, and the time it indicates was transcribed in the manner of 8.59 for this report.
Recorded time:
12.59
